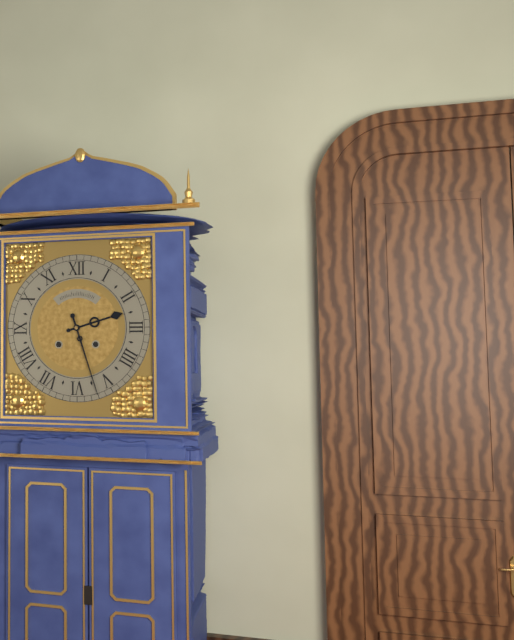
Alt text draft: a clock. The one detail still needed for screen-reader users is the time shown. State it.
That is 2:27
